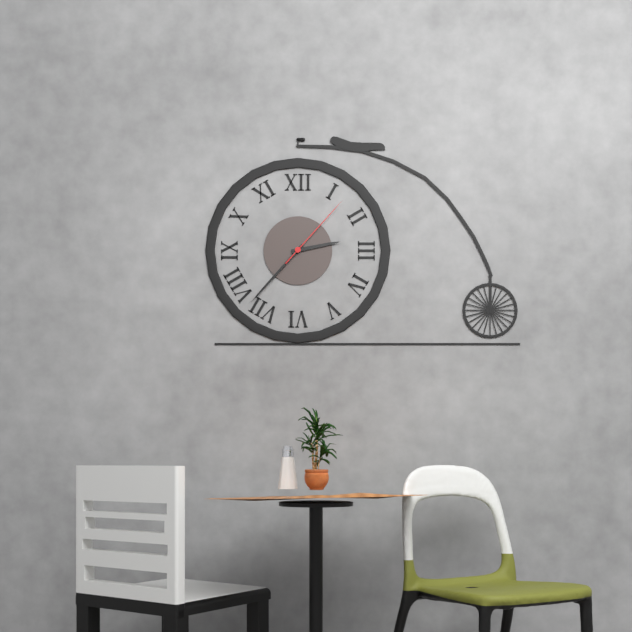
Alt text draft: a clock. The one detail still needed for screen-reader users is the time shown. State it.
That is 2:37:07
